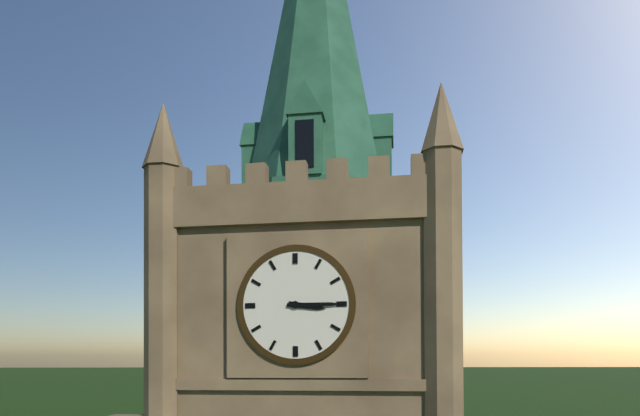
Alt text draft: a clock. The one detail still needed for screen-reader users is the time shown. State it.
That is 3:15
